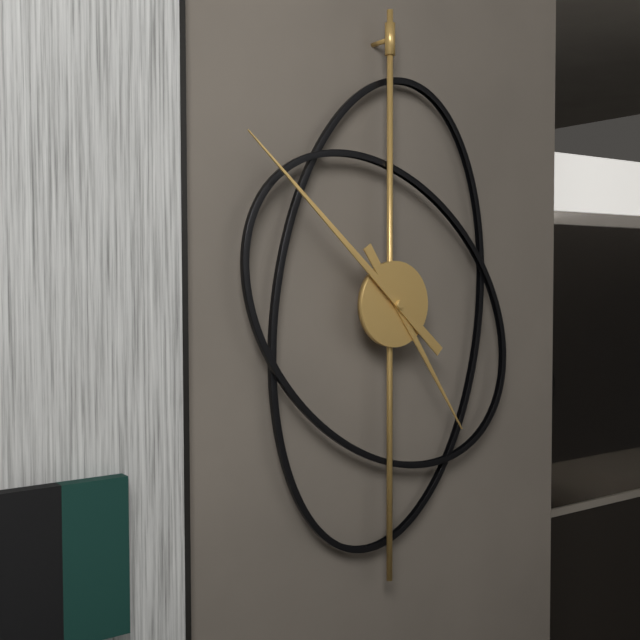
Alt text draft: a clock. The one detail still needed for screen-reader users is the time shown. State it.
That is 4:52
